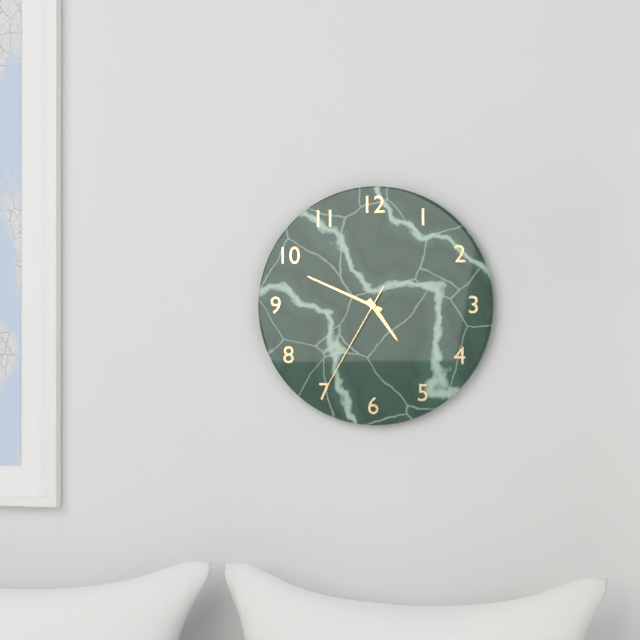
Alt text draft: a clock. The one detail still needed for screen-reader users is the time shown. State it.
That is 4:49:35
